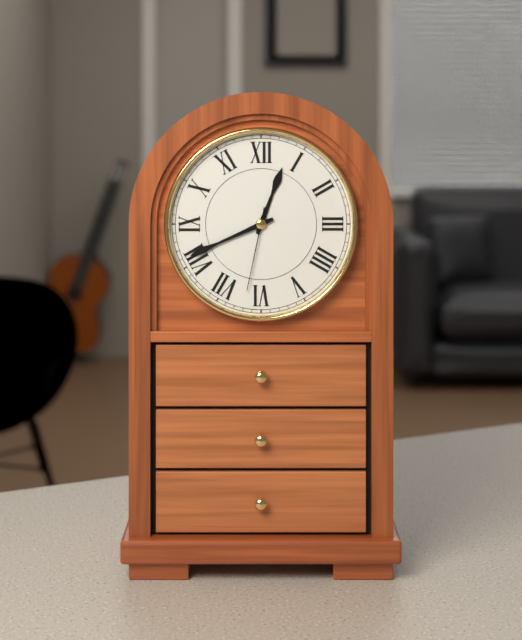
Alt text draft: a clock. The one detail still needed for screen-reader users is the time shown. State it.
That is 12:41:32
